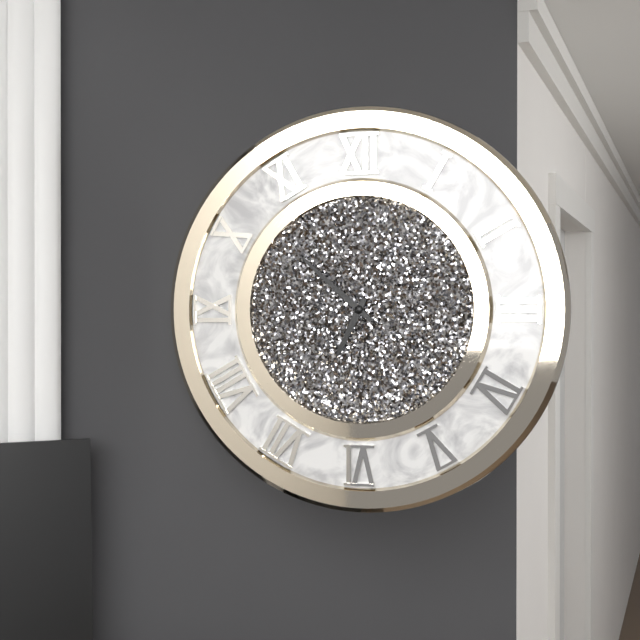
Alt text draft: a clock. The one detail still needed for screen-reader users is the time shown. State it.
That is 6:52
